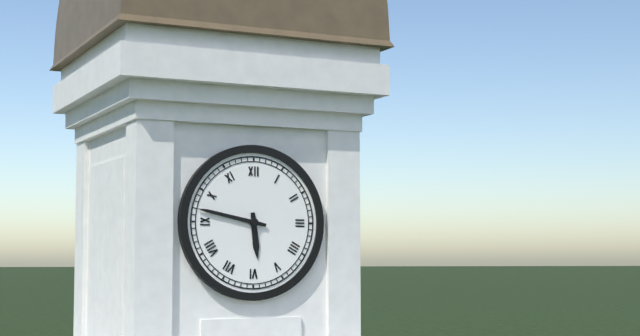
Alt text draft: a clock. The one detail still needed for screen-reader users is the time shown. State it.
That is 5:47
